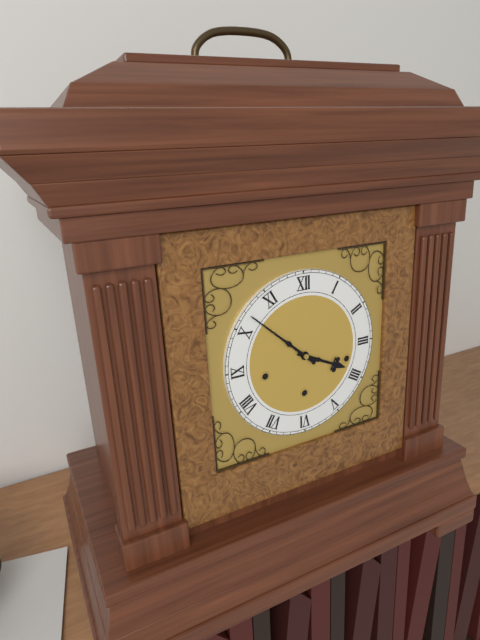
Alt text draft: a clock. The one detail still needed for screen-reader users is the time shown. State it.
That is 3:52
